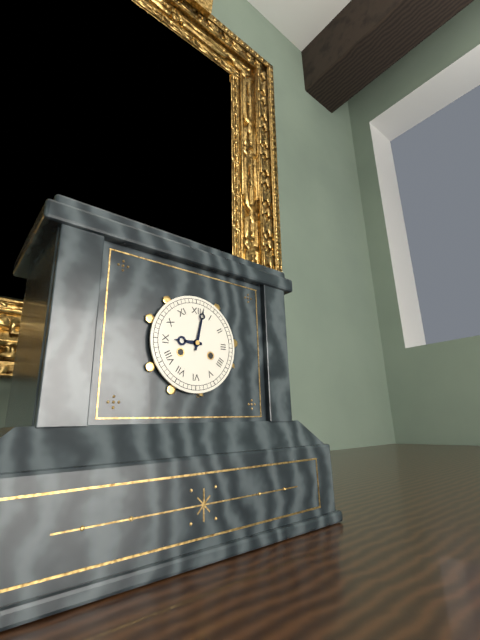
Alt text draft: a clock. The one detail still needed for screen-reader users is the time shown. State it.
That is 9:02
